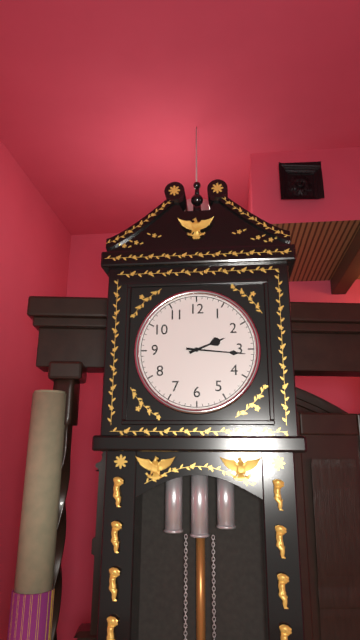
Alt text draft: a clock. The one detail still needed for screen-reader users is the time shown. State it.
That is 2:16
